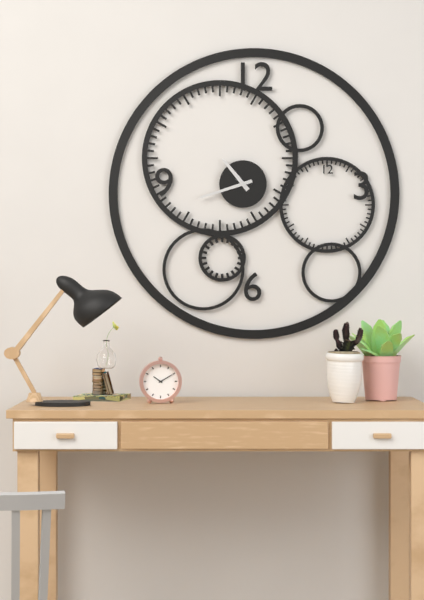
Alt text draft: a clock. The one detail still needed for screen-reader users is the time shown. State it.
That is 10:42
